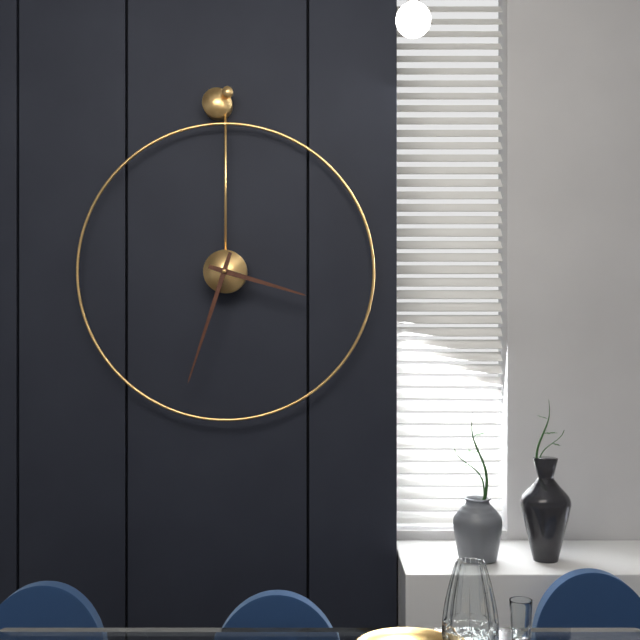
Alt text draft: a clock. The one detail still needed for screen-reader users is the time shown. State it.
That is 3:33
